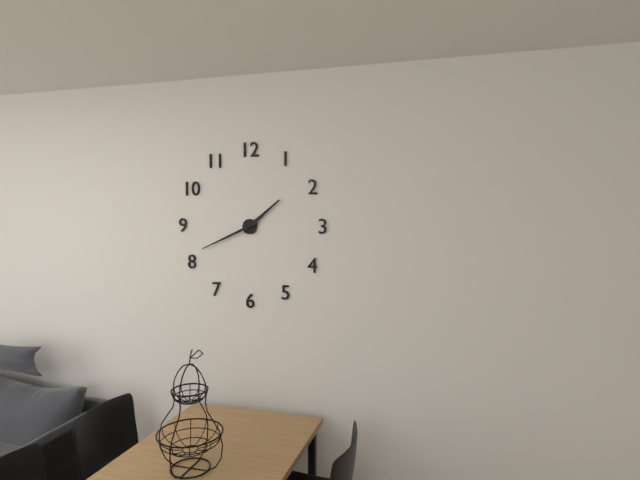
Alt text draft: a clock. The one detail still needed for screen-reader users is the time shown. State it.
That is 1:41
